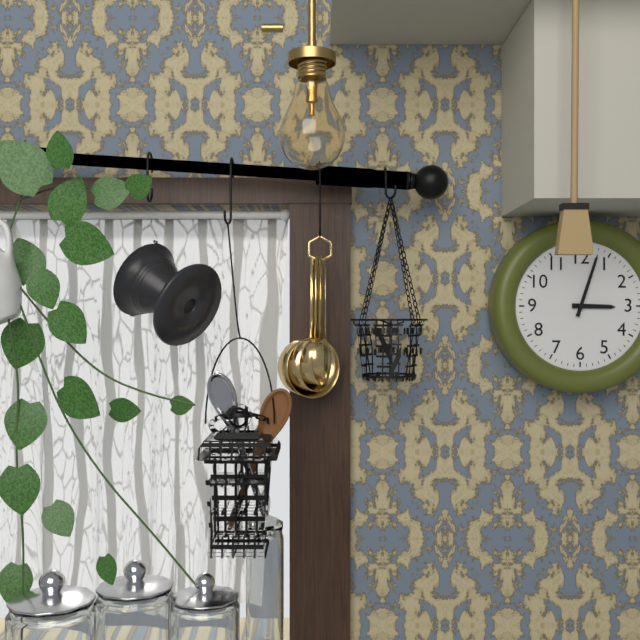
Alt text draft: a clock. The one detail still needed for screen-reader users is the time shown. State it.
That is 3:03
